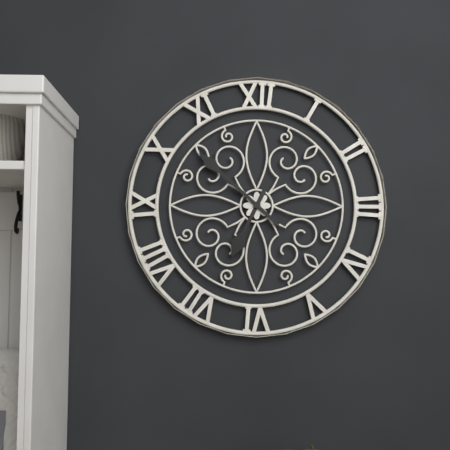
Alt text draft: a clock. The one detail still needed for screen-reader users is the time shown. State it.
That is 6:52
